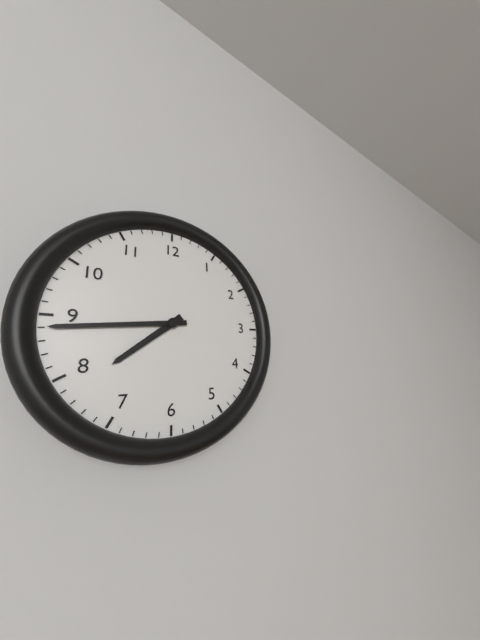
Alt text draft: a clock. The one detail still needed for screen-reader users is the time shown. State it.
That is 7:44
